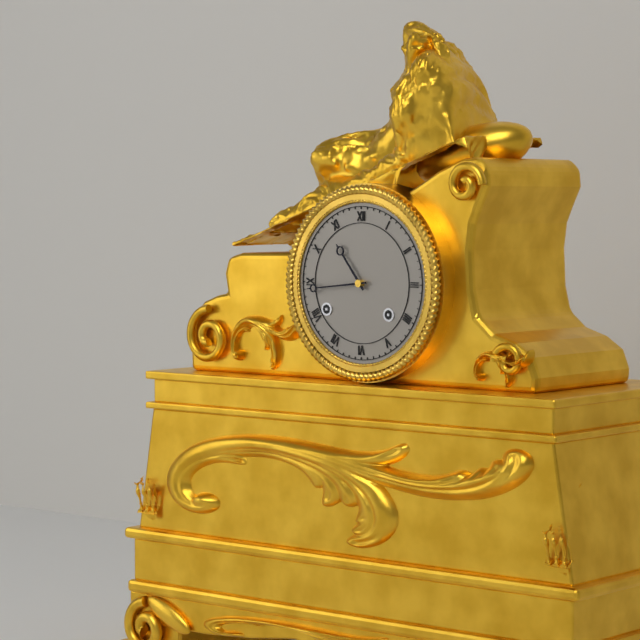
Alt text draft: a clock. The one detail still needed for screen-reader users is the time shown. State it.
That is 10:44
